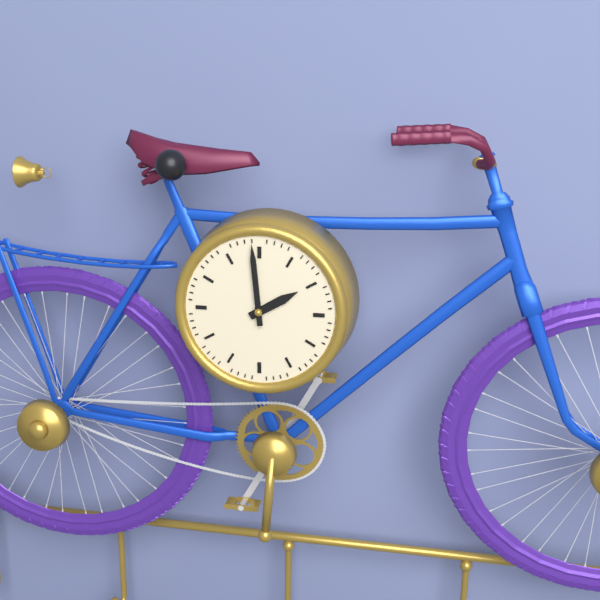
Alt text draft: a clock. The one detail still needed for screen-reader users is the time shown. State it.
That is 1:59
